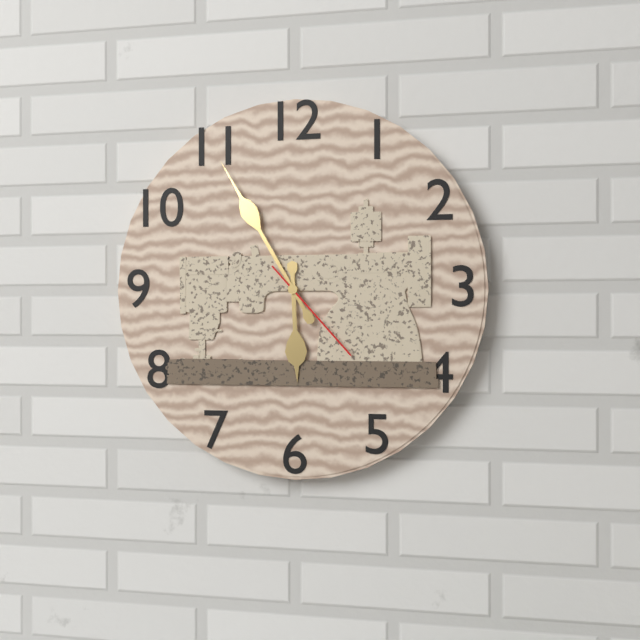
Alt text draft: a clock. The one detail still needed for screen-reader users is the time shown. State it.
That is 5:55:23
